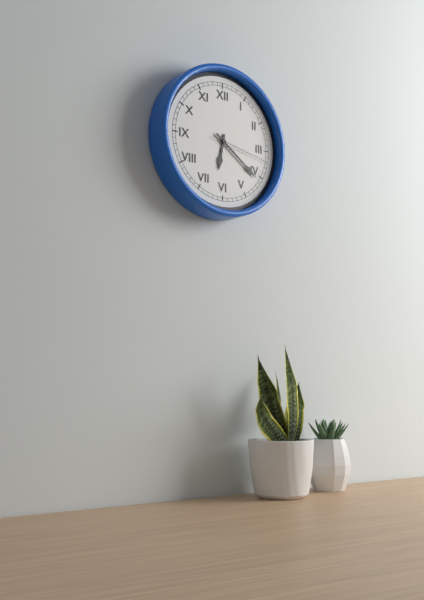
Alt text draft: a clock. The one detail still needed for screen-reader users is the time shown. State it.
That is 6:21:17
